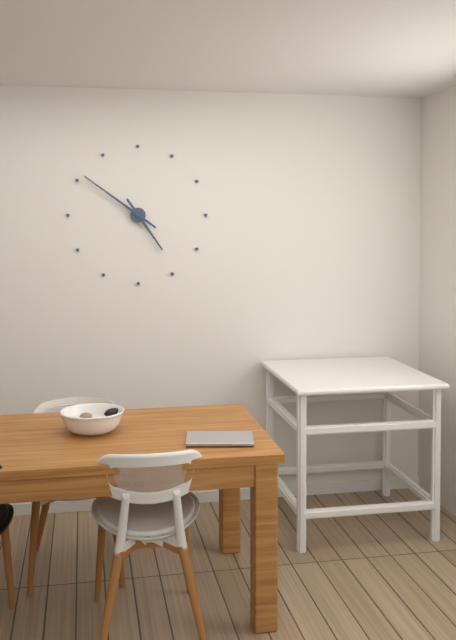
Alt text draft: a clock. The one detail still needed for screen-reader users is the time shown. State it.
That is 4:51
